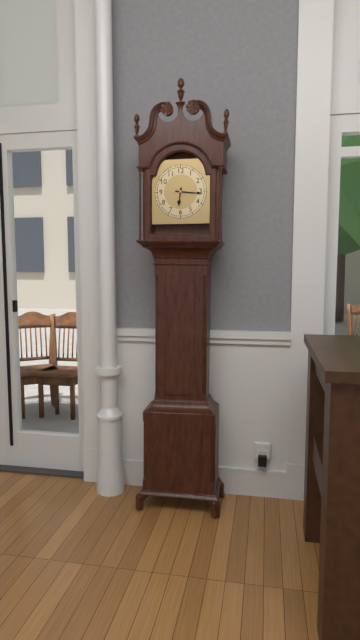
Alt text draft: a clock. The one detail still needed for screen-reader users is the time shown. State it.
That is 6:16
